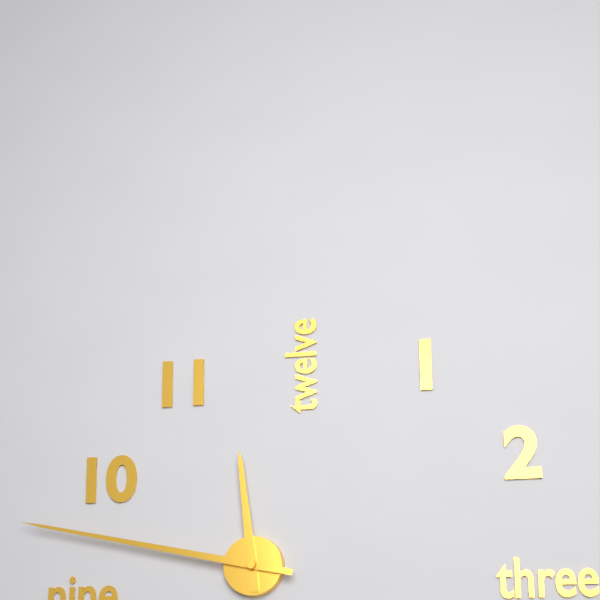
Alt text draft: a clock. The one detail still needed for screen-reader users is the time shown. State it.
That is 11:47
